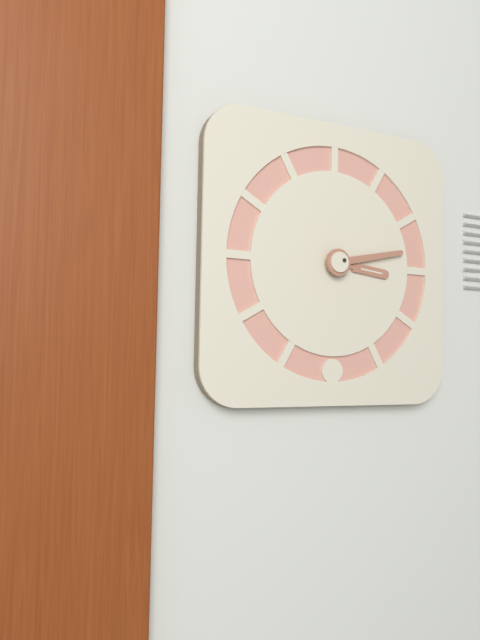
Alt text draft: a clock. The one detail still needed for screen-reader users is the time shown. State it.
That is 3:13
